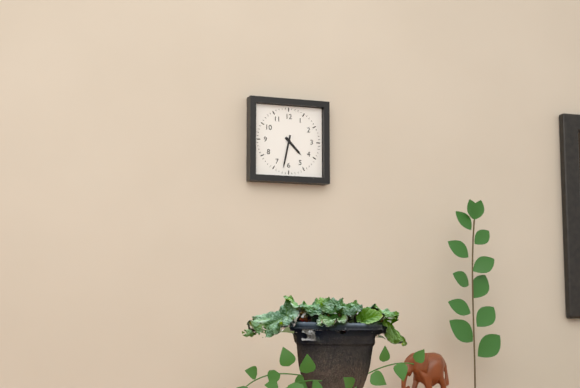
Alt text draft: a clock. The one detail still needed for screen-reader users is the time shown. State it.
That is 4:32
